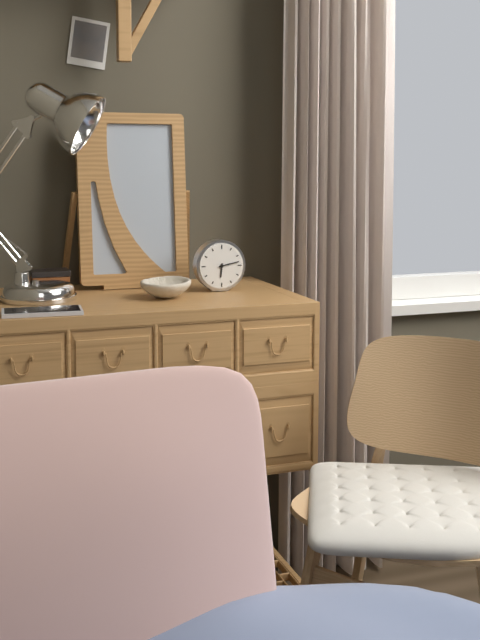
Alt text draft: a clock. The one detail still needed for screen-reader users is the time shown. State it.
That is 6:13
